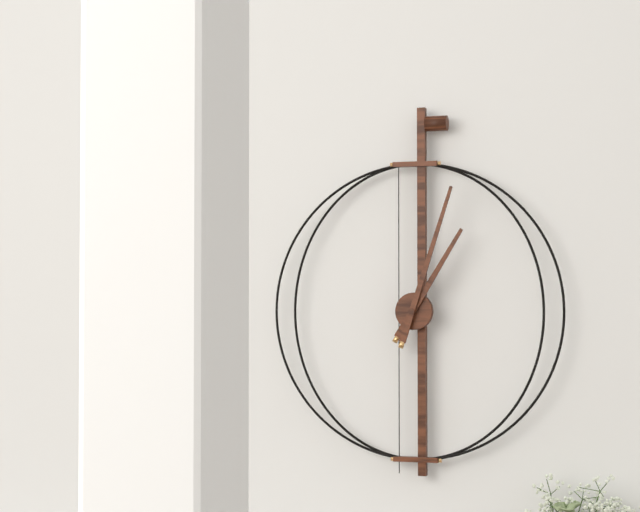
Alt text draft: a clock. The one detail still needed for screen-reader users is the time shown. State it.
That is 1:03
